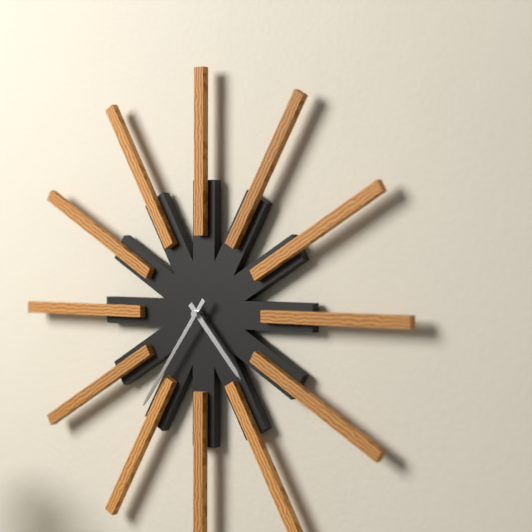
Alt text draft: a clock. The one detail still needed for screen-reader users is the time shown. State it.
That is 4:36
